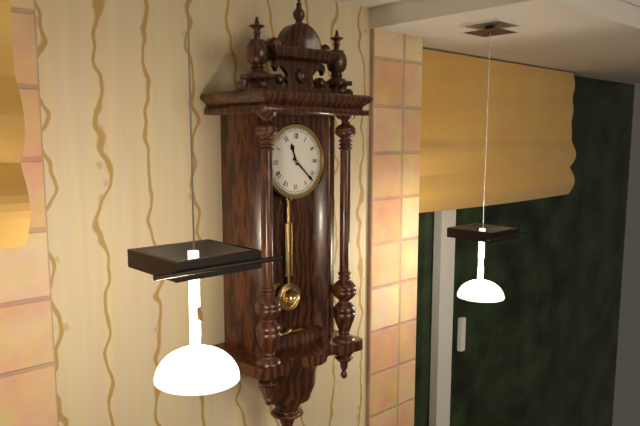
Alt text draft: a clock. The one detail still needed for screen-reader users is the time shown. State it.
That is 11:22
